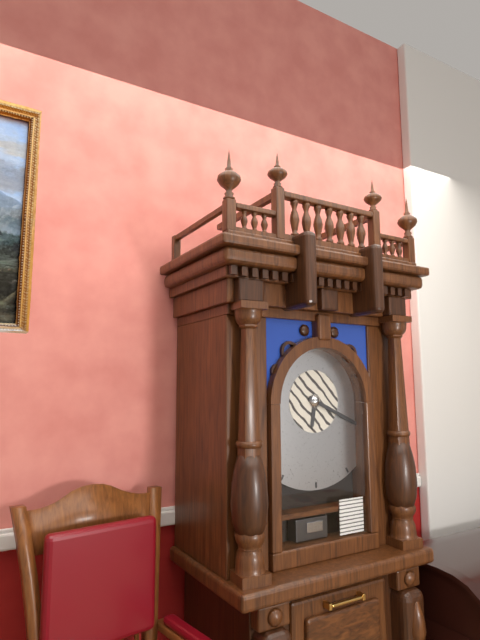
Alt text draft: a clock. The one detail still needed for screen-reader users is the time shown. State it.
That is 6:19
